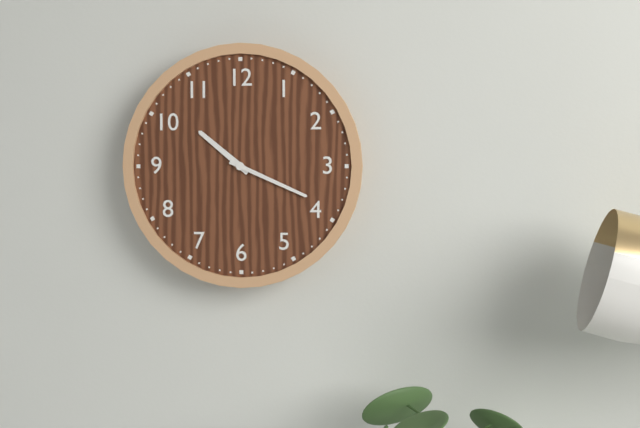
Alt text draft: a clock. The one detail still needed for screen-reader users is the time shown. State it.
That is 10:19
